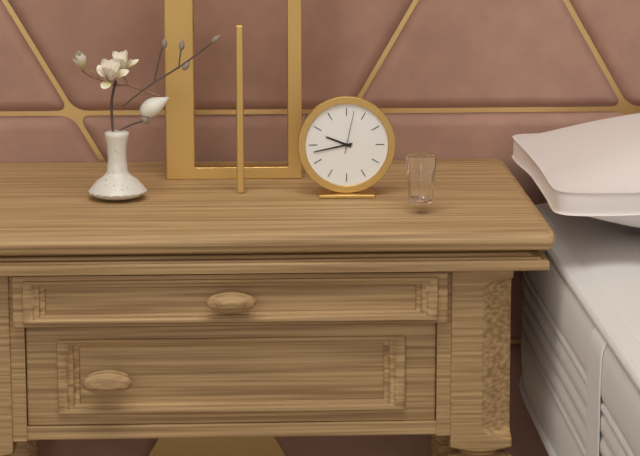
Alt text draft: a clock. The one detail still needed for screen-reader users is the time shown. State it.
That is 9:43
